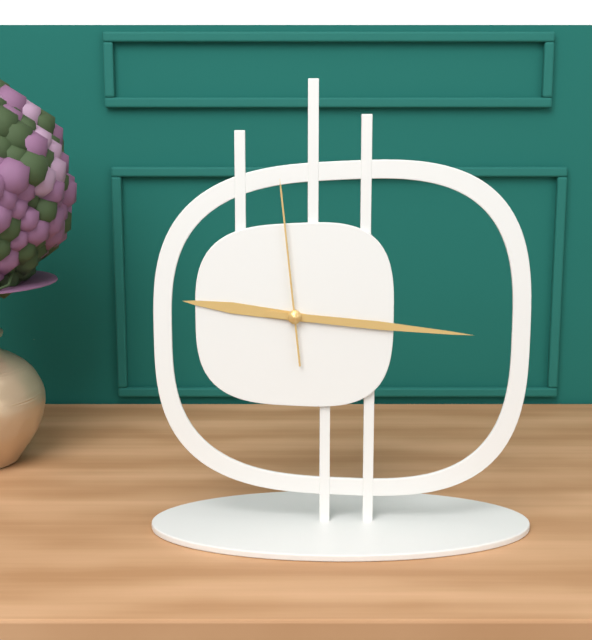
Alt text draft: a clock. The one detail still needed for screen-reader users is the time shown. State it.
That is 9:16:59
